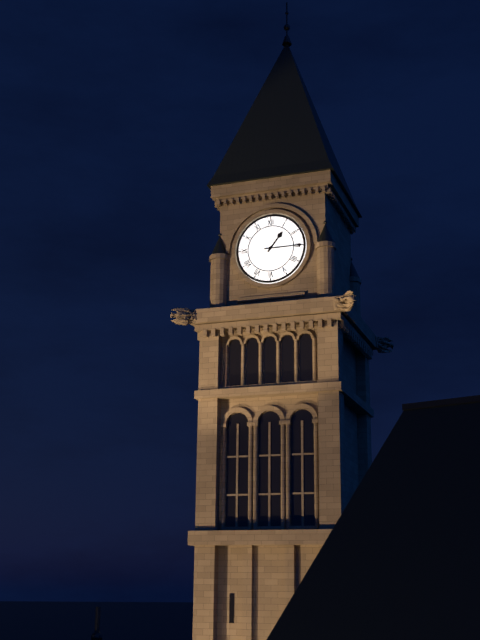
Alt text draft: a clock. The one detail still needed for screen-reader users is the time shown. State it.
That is 1:15
